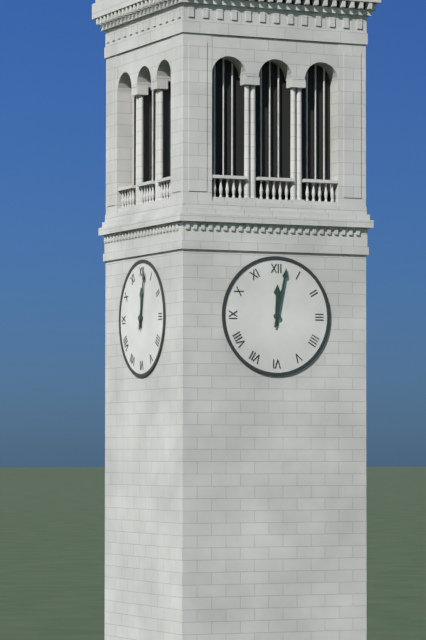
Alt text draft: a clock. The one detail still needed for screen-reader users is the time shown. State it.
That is 12:02
